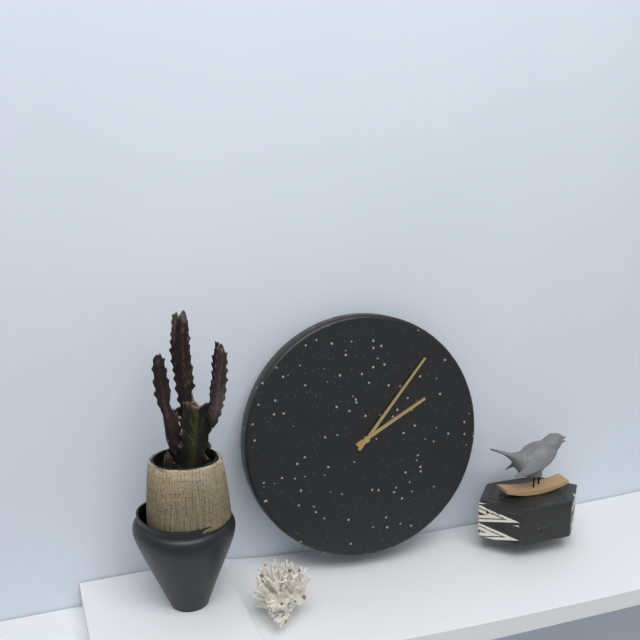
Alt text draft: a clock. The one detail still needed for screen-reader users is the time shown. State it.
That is 2:07
